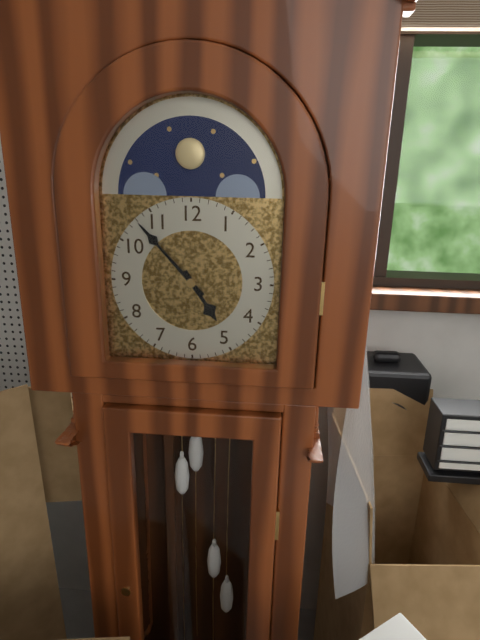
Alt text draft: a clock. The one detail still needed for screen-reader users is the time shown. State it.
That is 4:53
